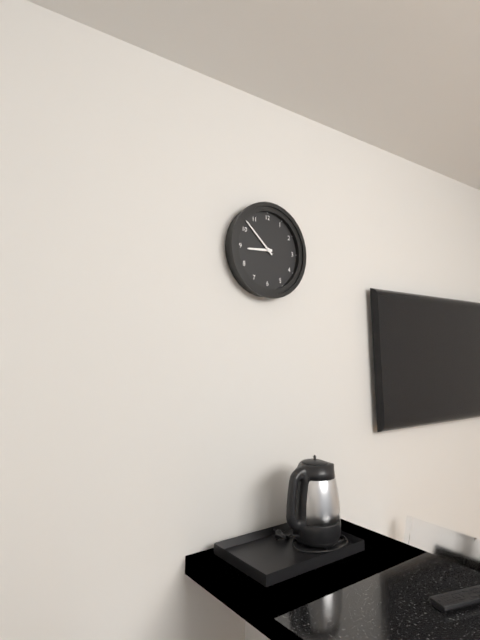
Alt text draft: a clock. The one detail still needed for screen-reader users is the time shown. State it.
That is 8:52
